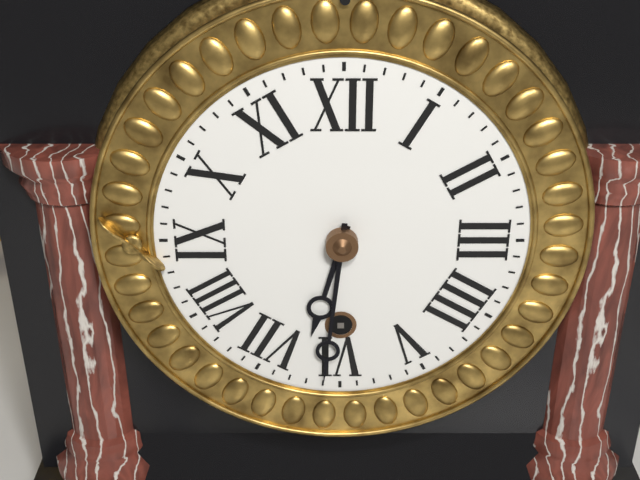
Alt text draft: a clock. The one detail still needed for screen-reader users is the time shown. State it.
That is 6:31
